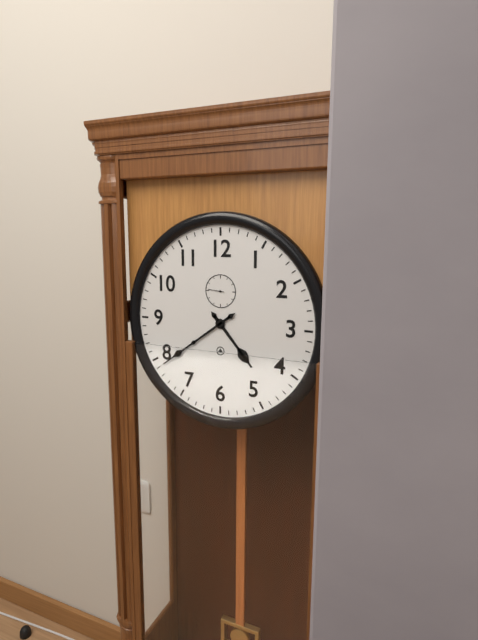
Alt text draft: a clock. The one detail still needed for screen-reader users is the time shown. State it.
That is 4:39
